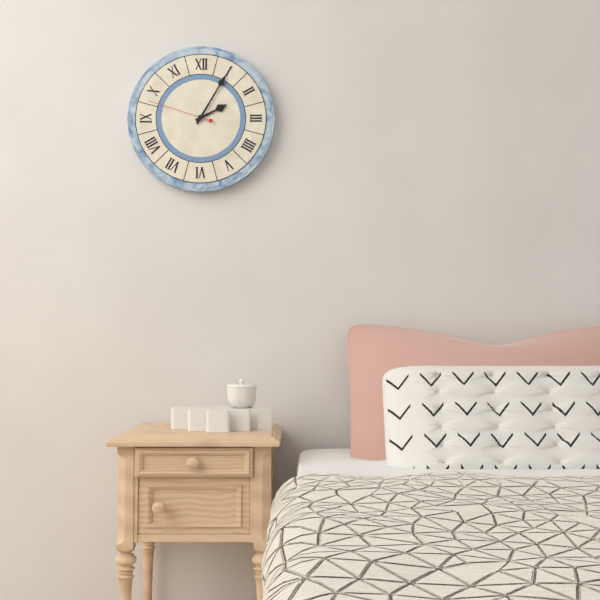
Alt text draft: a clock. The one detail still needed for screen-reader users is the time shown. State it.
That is 2:05:48
